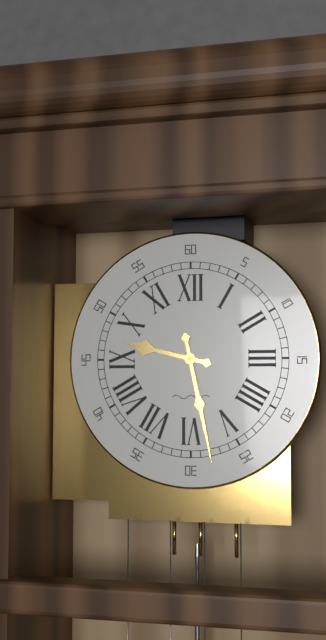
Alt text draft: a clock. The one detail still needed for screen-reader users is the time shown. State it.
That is 9:28
